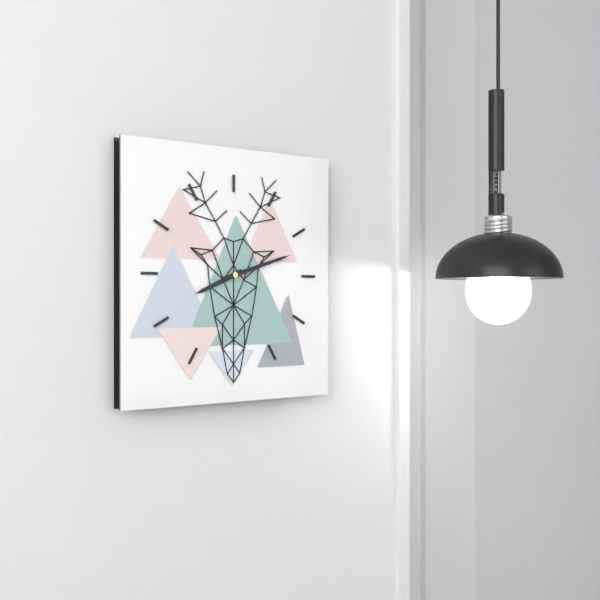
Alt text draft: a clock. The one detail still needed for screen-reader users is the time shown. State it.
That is 8:12
